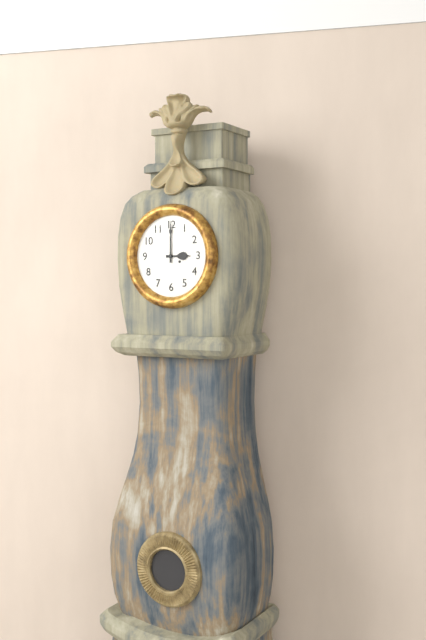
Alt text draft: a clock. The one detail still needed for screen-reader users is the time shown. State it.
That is 3:00
